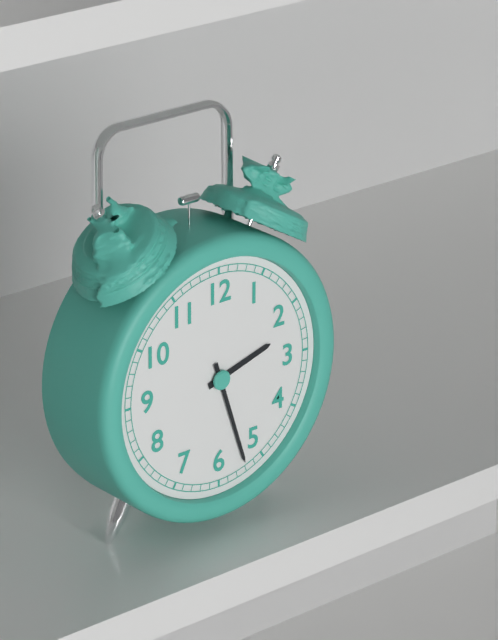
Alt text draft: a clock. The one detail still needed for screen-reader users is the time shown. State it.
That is 2:27
